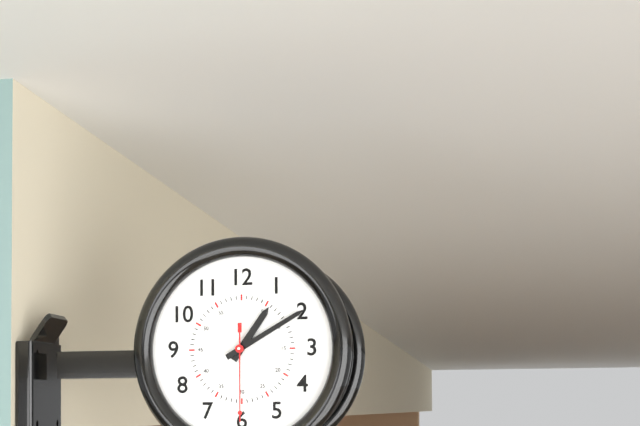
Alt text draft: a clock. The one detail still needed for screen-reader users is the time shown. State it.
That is 1:10:30
